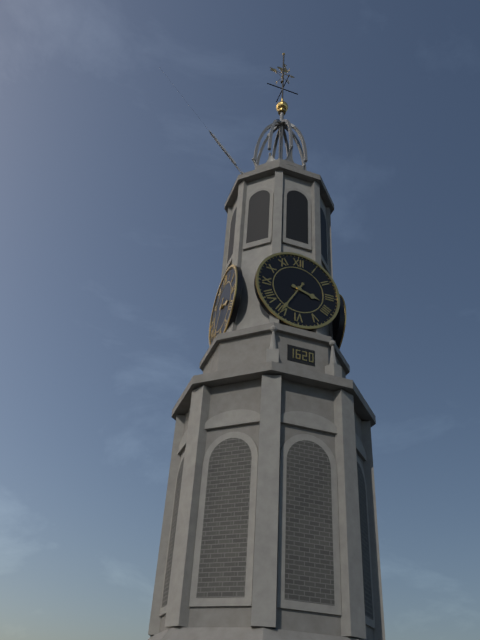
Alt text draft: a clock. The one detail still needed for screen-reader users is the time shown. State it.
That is 3:35
